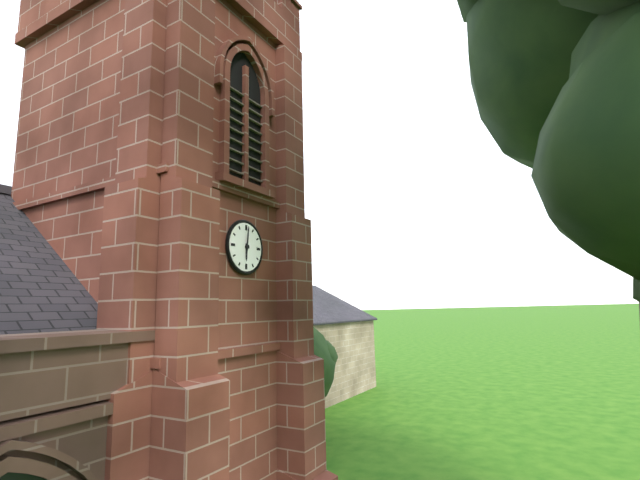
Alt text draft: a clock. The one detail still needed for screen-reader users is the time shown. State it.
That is 6:01
